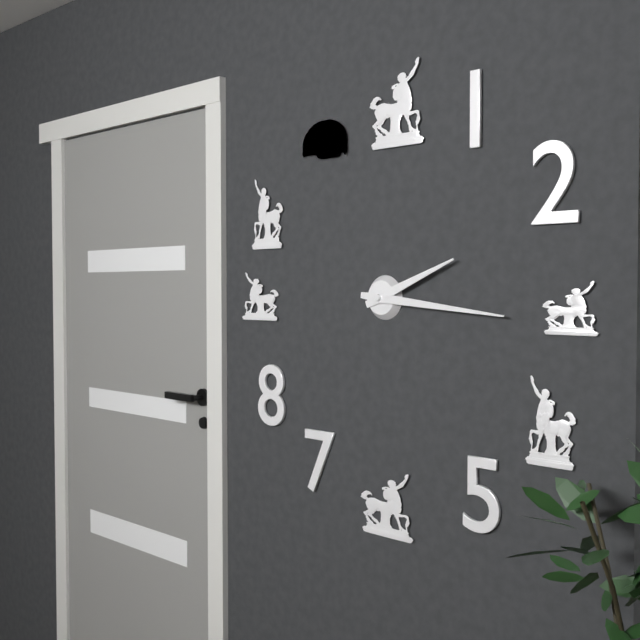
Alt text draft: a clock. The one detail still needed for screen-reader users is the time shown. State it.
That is 2:16
